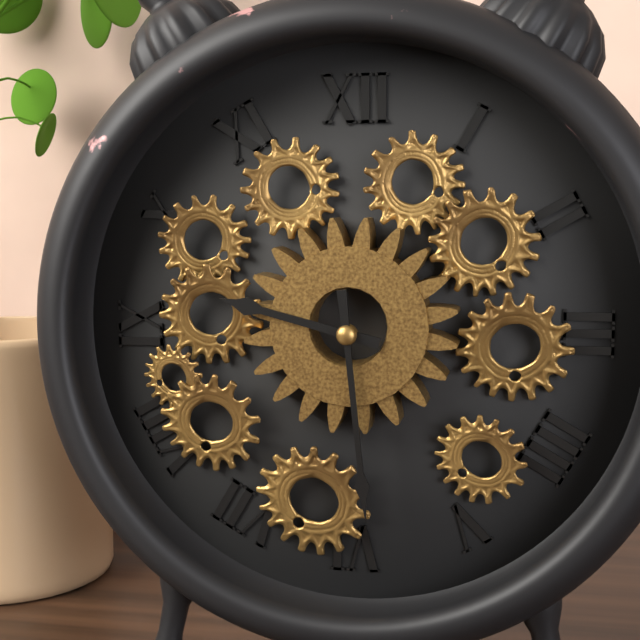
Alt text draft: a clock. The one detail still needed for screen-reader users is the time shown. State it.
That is 9:29
